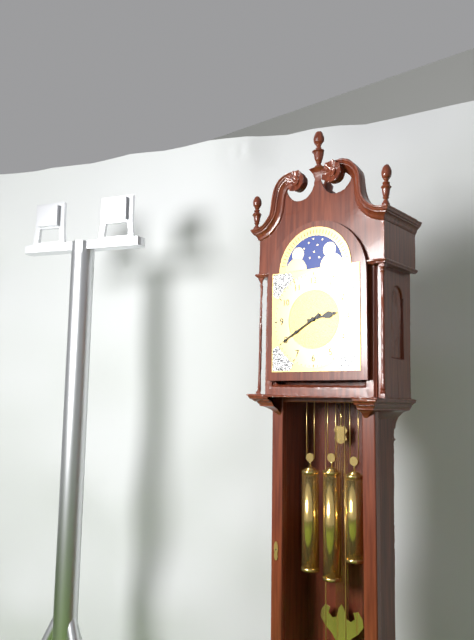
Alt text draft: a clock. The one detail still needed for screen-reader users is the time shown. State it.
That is 2:40
